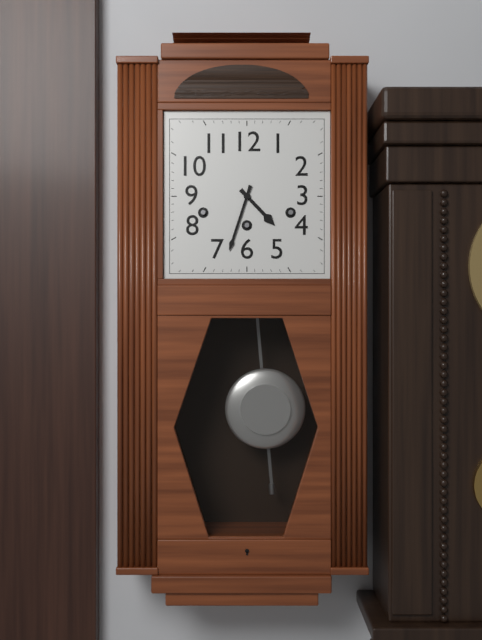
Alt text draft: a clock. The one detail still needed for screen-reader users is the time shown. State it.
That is 4:33
